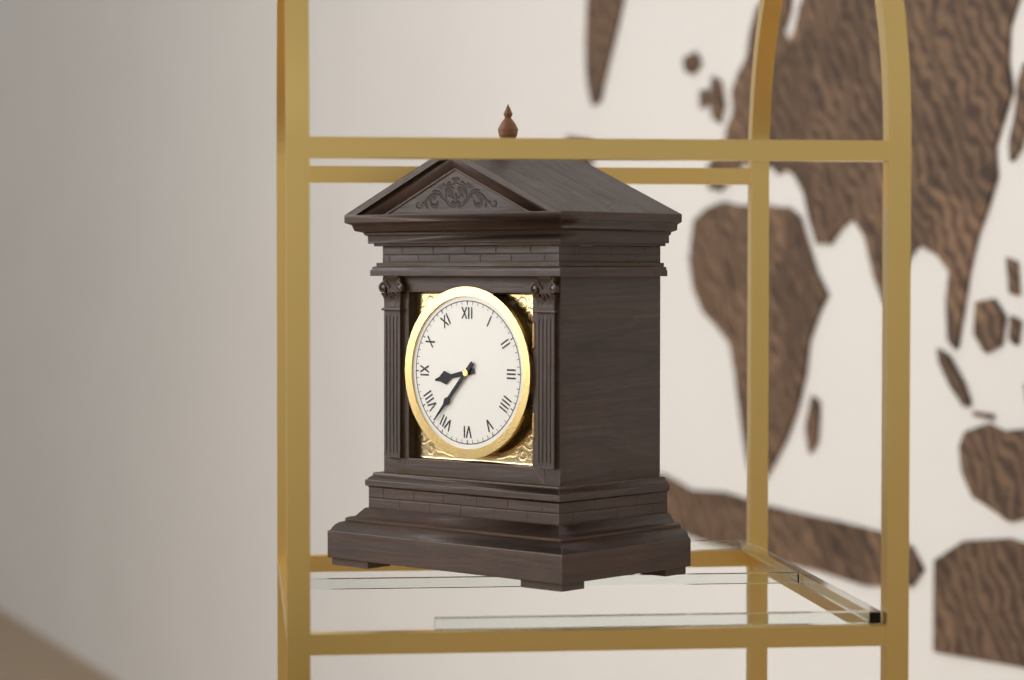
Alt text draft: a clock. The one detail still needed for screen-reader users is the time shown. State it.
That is 8:37
